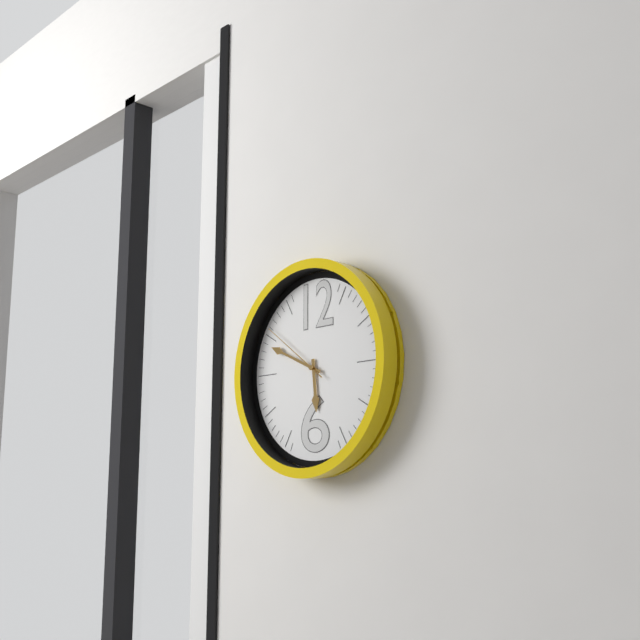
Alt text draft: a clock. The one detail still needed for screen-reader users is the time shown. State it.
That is 5:49:51
